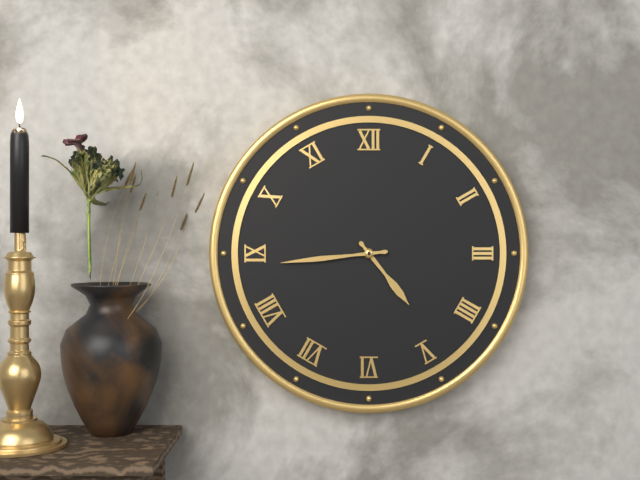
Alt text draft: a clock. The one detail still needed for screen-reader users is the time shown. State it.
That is 4:44
